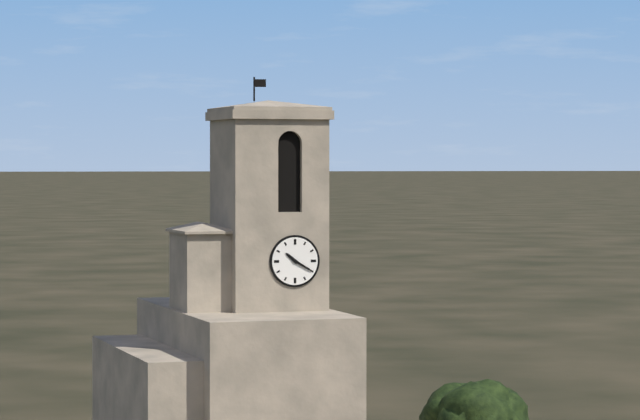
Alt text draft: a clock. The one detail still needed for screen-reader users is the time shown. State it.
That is 10:20
